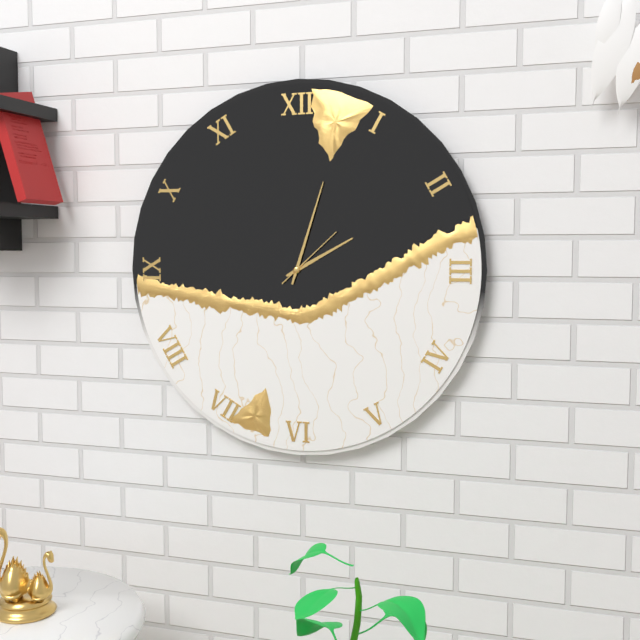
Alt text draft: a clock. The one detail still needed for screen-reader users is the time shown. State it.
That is 2:03:08
